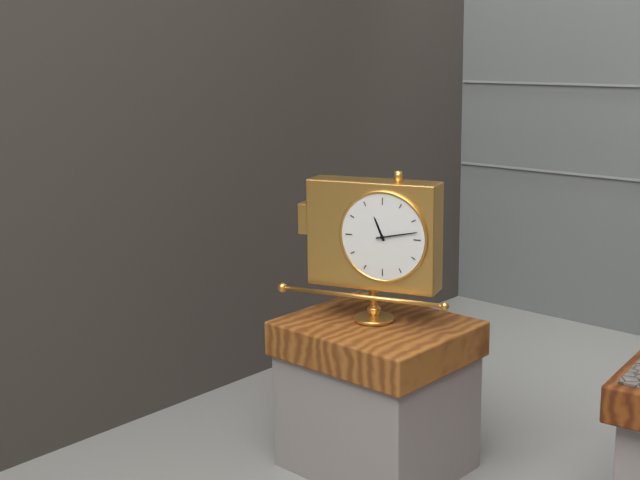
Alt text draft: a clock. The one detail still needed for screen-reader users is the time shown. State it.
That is 11:13
